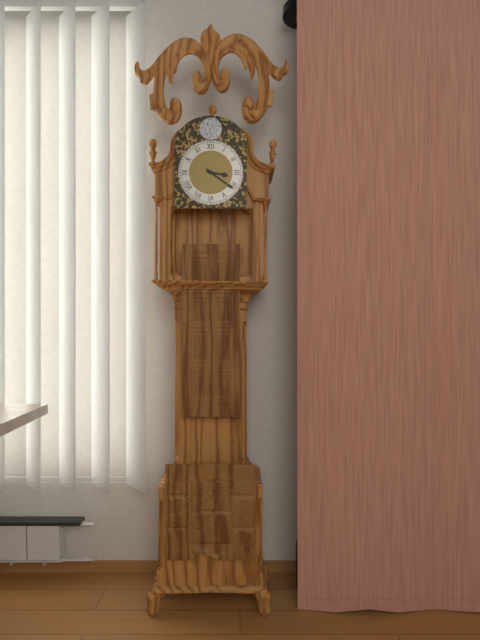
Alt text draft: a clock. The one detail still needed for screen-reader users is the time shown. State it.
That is 3:21
